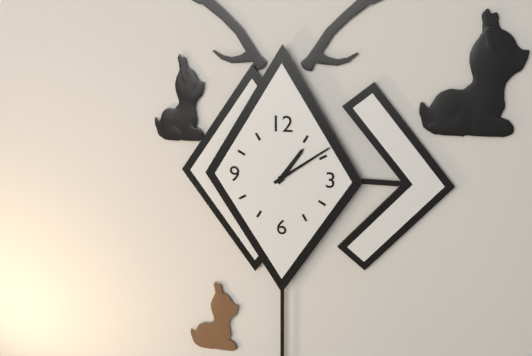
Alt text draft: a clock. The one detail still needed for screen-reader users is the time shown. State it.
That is 1:09
